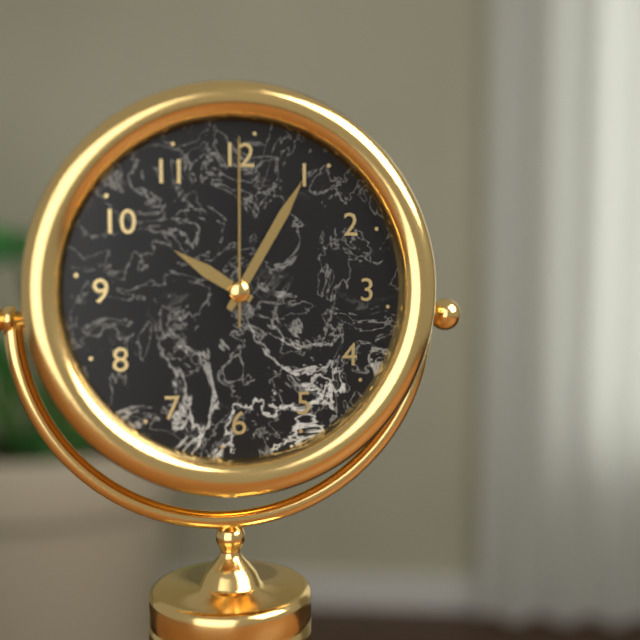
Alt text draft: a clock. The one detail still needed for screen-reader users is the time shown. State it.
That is 10:05:00
